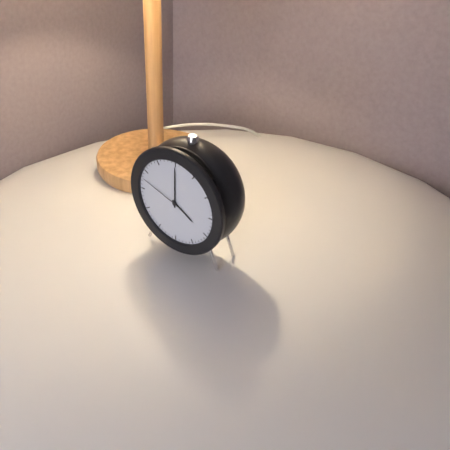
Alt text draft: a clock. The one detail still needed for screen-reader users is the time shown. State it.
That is 4:00:48
